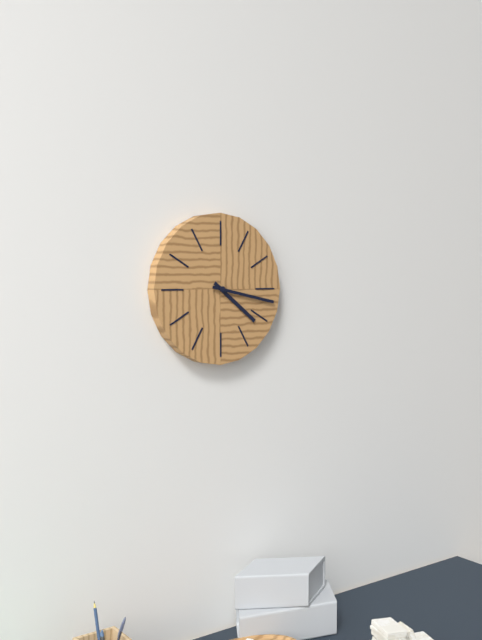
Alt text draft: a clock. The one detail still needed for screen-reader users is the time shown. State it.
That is 4:17
